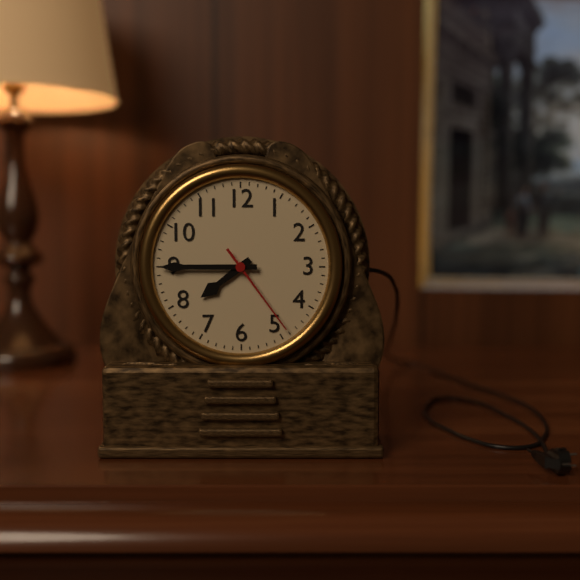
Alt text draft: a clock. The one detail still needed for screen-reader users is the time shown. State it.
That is 7:45:24
